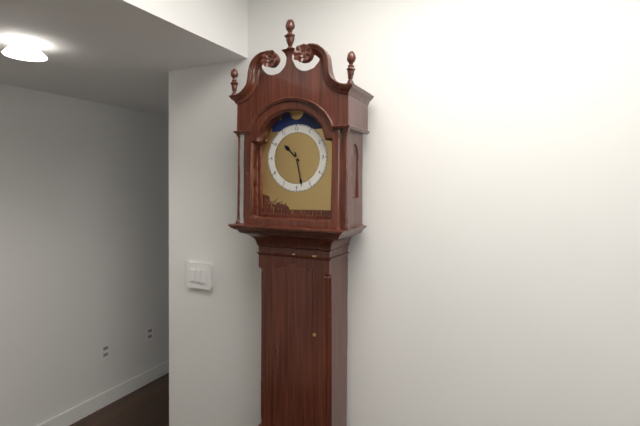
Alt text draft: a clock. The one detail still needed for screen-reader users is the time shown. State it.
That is 10:28
